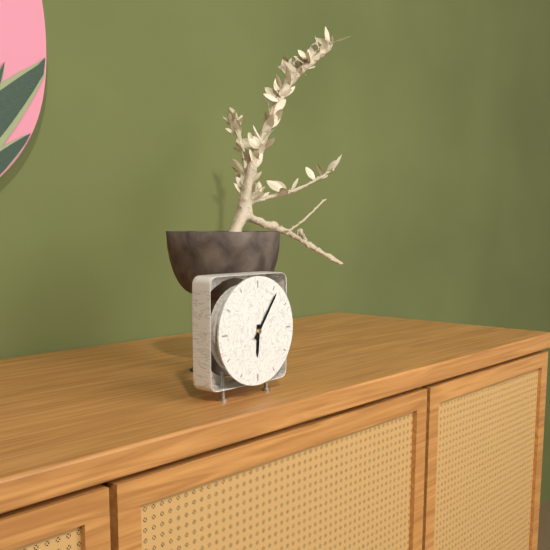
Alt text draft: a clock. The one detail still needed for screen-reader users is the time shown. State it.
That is 6:06
